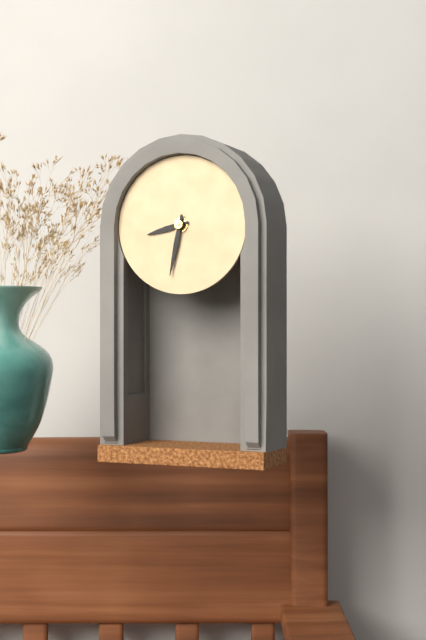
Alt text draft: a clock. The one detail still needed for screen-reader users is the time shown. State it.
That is 8:32
